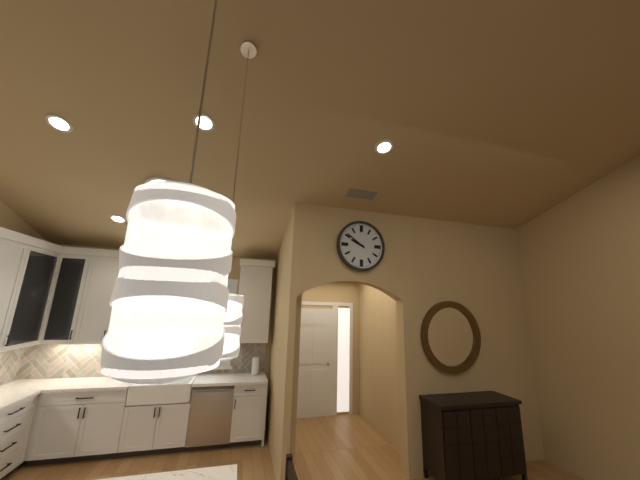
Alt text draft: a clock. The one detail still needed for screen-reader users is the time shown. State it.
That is 9:51
